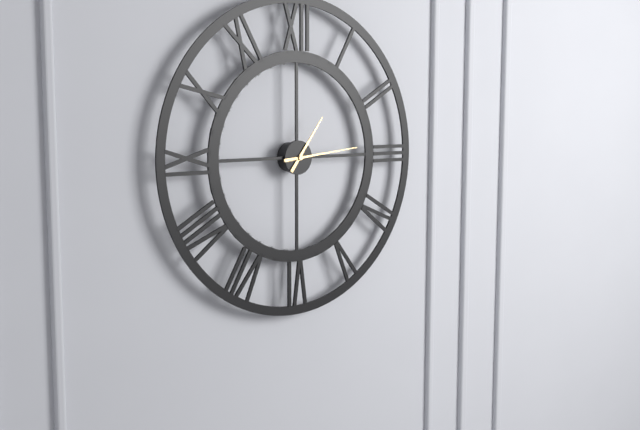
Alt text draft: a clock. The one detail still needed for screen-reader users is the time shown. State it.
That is 1:14
